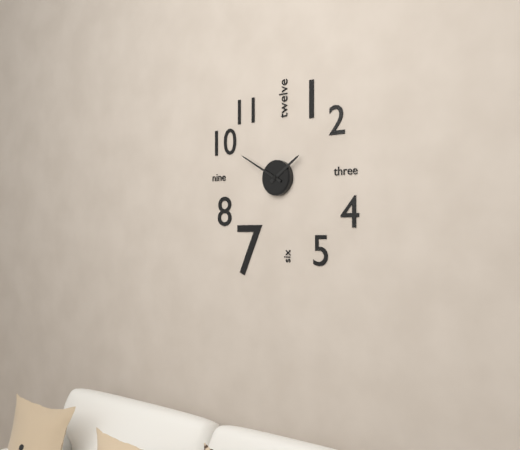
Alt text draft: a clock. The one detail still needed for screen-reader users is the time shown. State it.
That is 1:50
